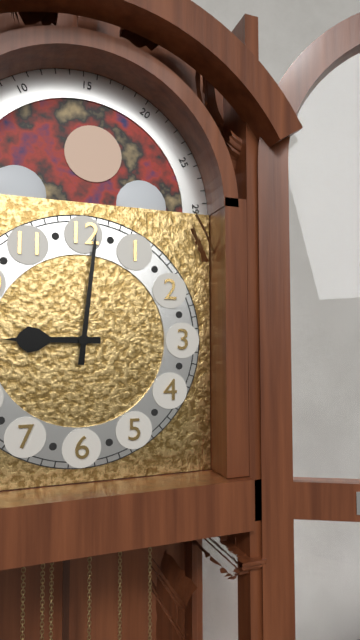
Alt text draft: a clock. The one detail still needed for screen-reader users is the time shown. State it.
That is 9:01
